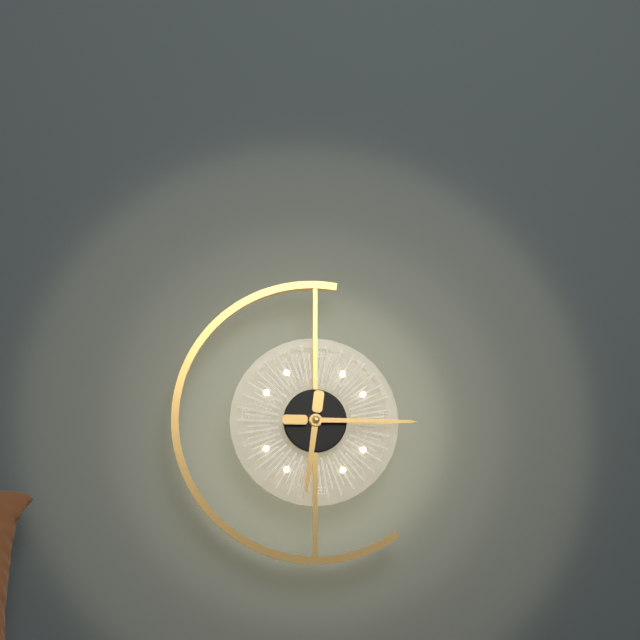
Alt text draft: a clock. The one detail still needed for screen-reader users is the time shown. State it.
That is 6:15
